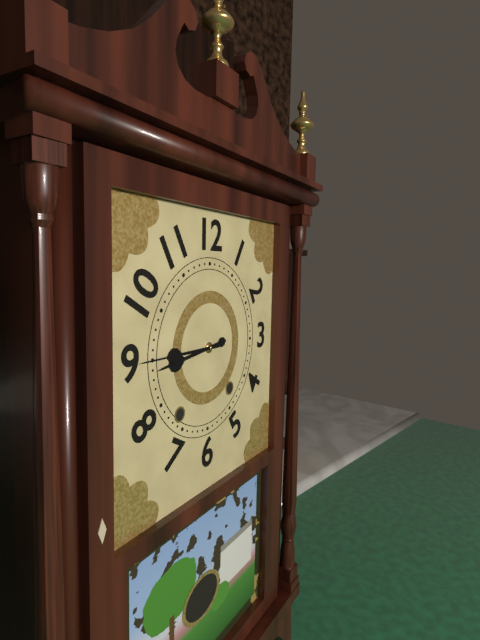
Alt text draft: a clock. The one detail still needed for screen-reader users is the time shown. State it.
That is 8:45
